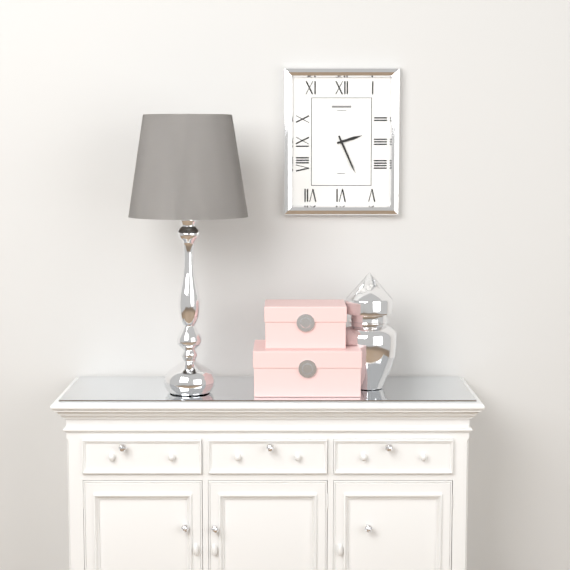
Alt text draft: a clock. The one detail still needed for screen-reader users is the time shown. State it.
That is 2:26
